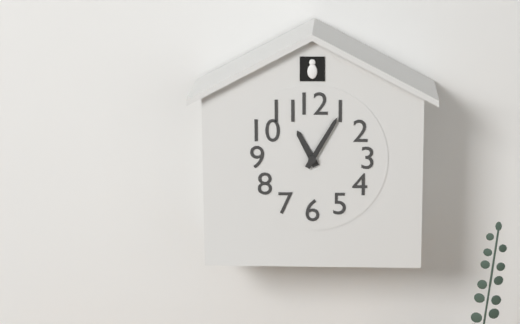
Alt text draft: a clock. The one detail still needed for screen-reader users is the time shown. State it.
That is 11:05
